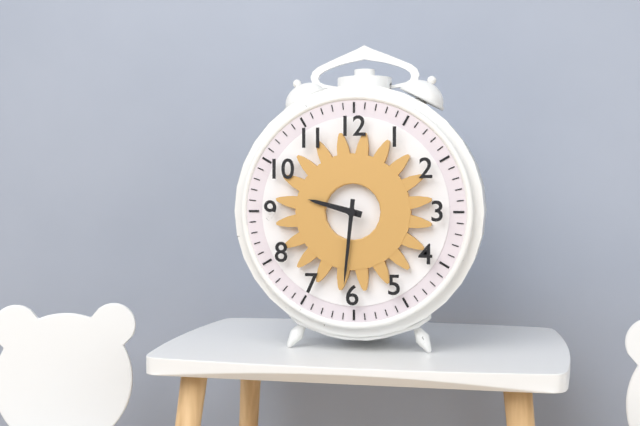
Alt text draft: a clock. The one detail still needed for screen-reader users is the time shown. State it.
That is 9:31
